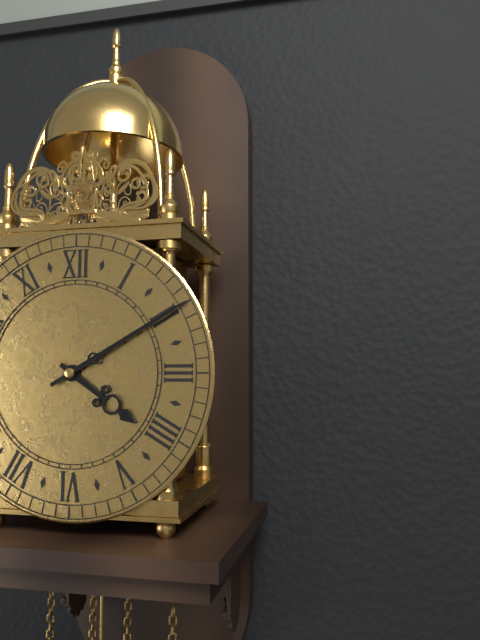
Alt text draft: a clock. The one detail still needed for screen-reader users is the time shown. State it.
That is 4:10
